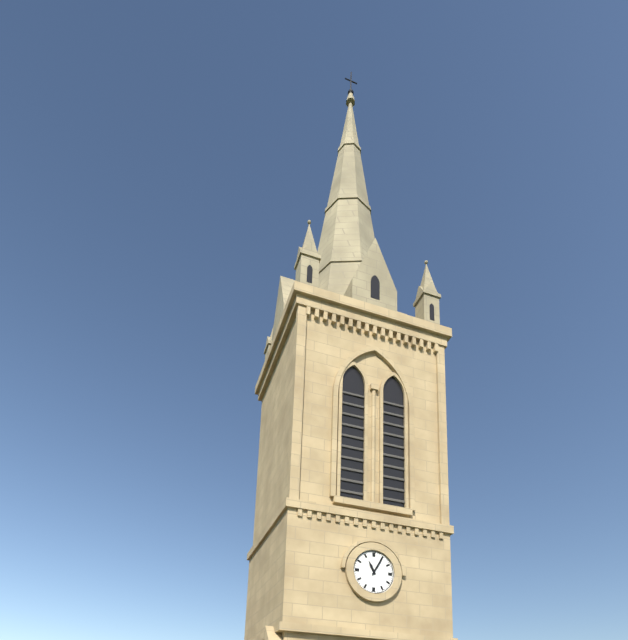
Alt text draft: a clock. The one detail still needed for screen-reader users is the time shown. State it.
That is 11:05
